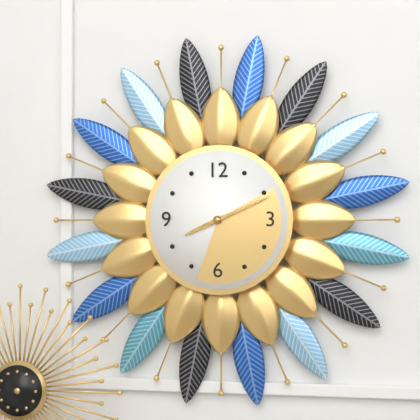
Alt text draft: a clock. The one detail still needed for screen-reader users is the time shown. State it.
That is 8:11
